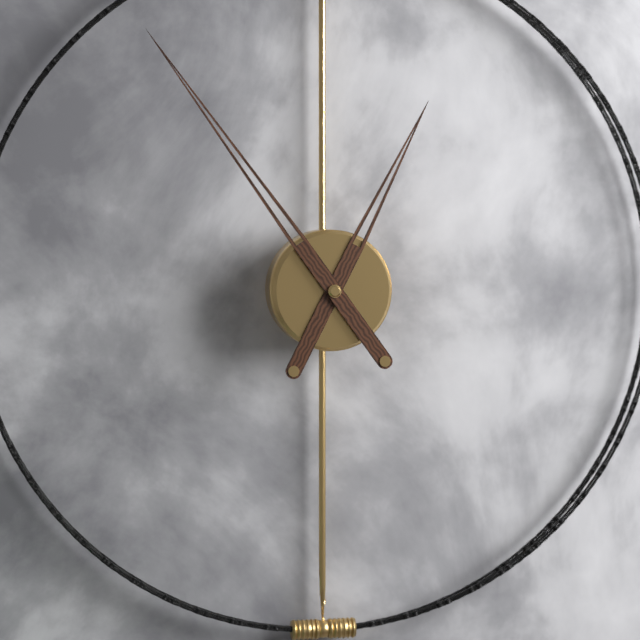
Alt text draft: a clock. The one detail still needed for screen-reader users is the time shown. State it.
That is 12:54
